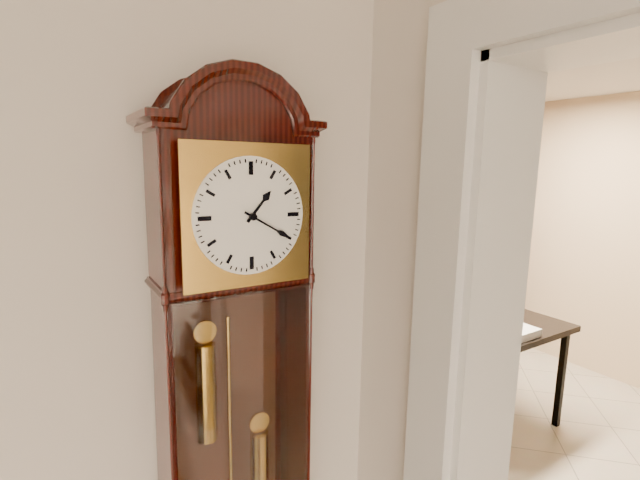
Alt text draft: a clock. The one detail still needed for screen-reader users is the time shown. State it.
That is 1:20
